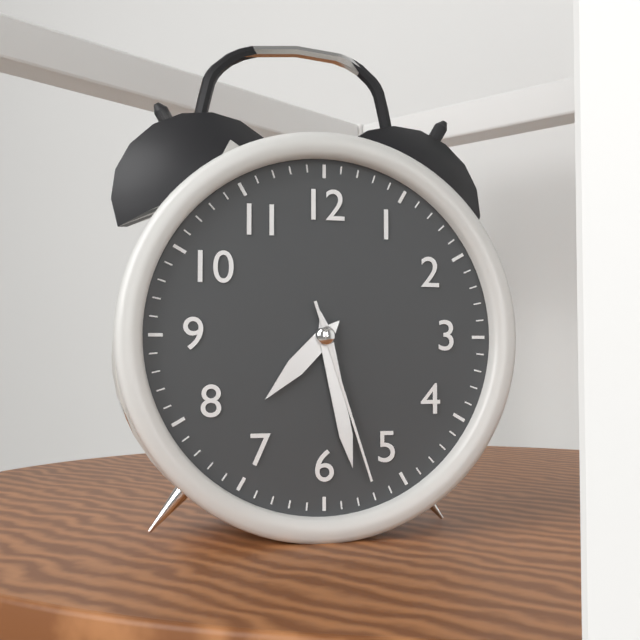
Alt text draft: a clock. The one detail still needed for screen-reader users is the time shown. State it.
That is 7:28:27
